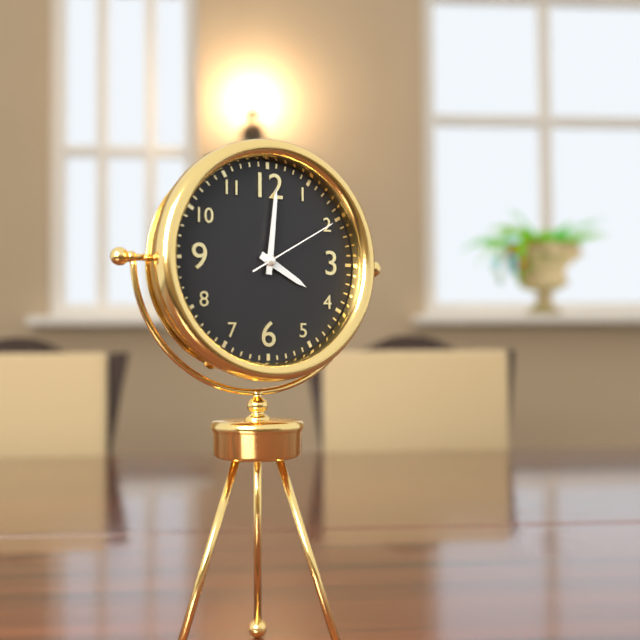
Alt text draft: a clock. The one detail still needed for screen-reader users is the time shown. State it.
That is 4:01:10
